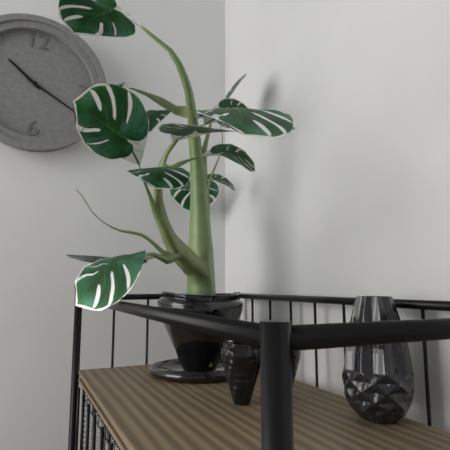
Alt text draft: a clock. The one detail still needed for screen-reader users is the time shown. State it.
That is 10:20
